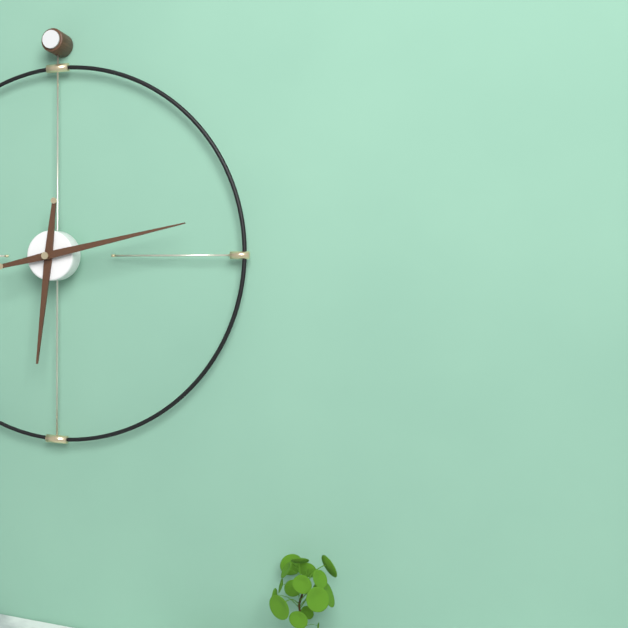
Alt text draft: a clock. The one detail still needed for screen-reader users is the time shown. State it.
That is 6:13
